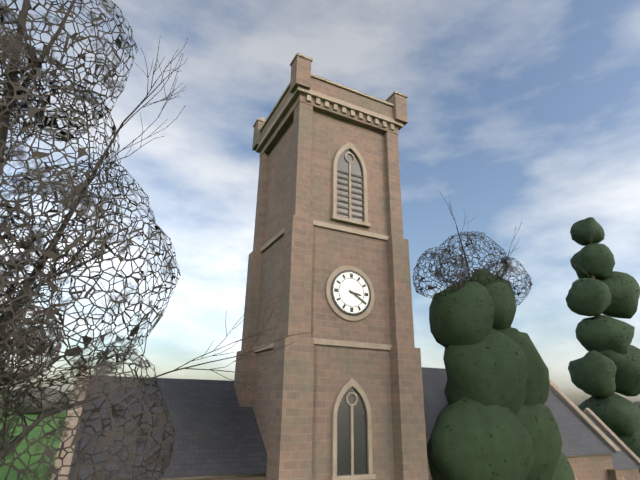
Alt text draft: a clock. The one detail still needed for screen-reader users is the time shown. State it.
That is 3:20
